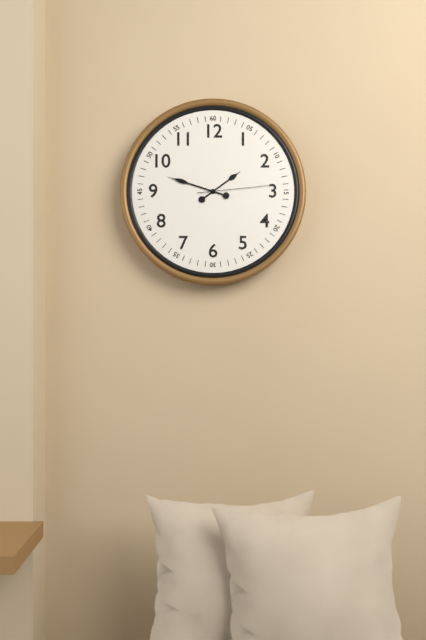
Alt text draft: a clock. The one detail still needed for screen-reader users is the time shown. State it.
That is 1:48:14
